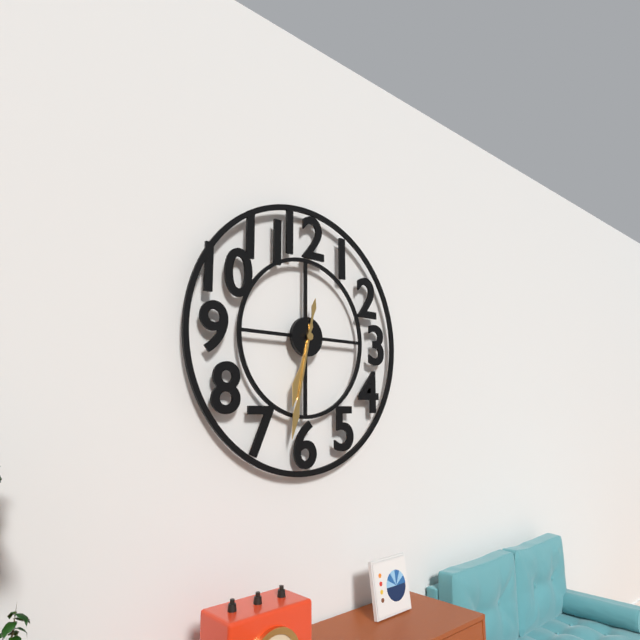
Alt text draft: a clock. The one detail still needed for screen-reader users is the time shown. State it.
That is 6:32
